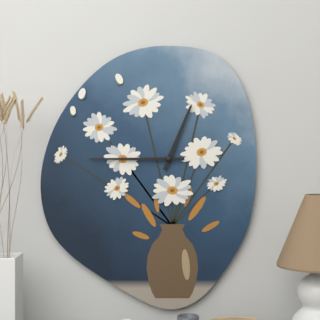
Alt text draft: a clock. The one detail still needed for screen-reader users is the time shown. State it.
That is 12:45
